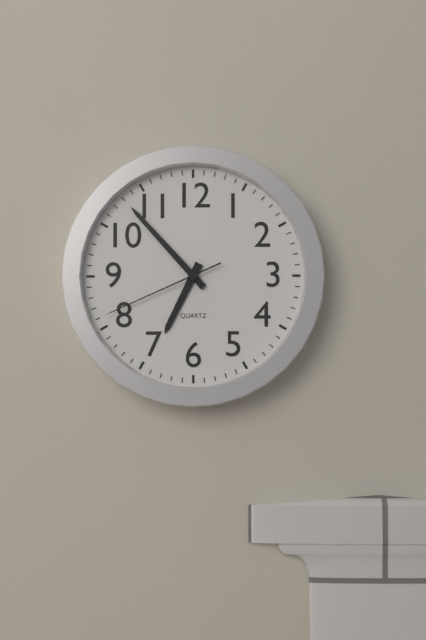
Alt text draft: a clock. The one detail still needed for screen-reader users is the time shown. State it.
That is 6:53:41
